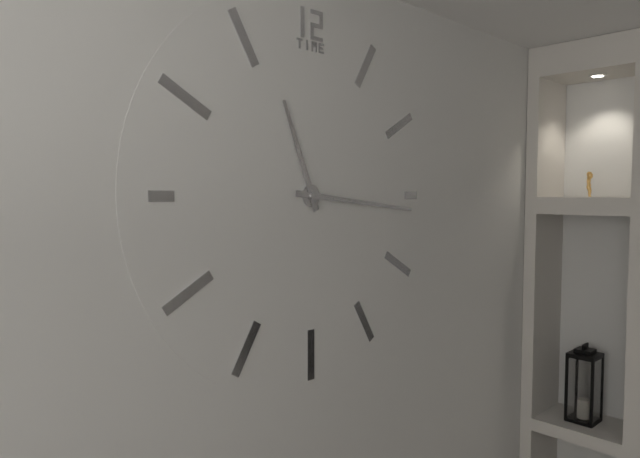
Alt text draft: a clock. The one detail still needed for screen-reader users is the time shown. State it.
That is 11:16
